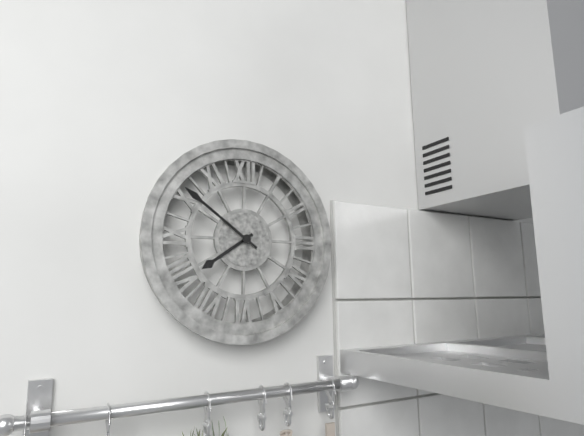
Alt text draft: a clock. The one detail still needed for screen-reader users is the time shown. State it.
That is 7:51
